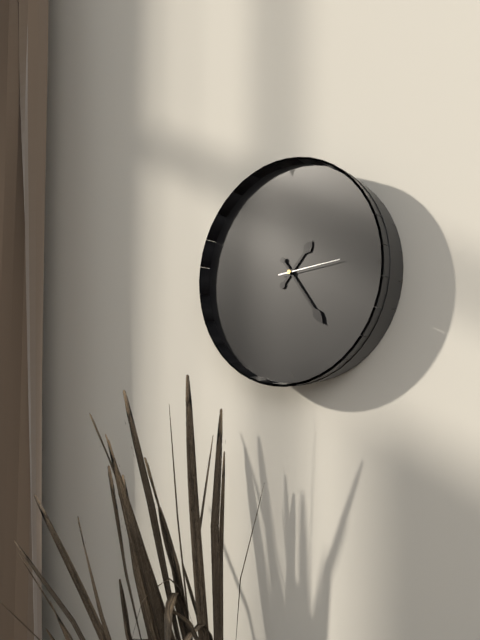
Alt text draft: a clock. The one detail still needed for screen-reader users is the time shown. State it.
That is 1:24:14
